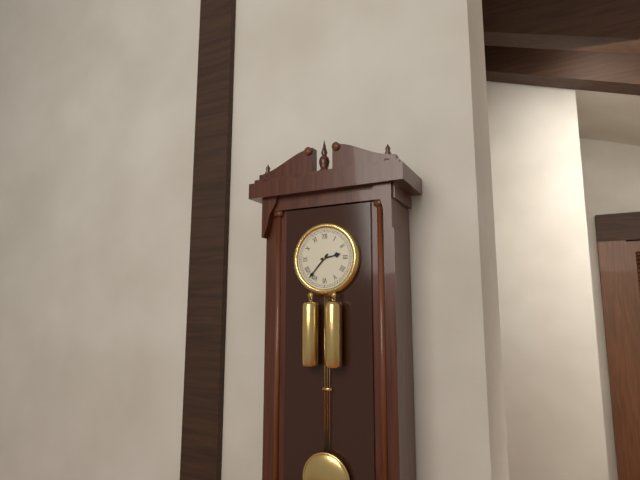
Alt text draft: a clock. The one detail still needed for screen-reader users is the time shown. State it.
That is 2:37
